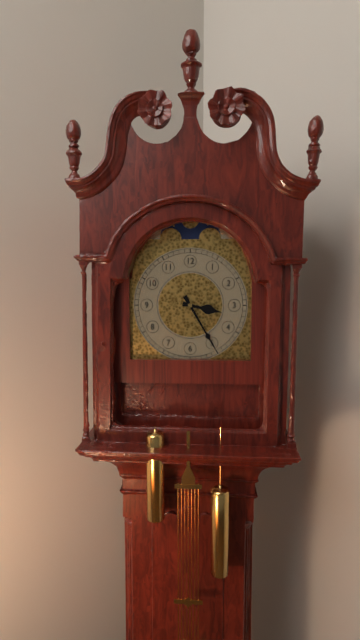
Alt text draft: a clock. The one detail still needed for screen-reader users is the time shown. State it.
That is 3:25
